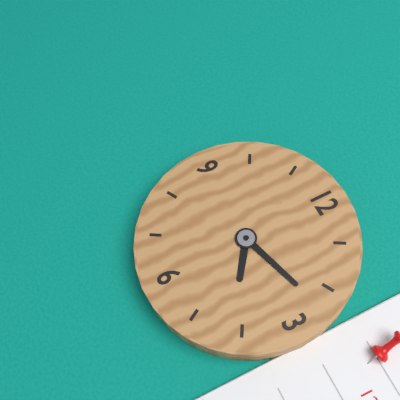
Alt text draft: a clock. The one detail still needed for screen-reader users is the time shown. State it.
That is 4:12
